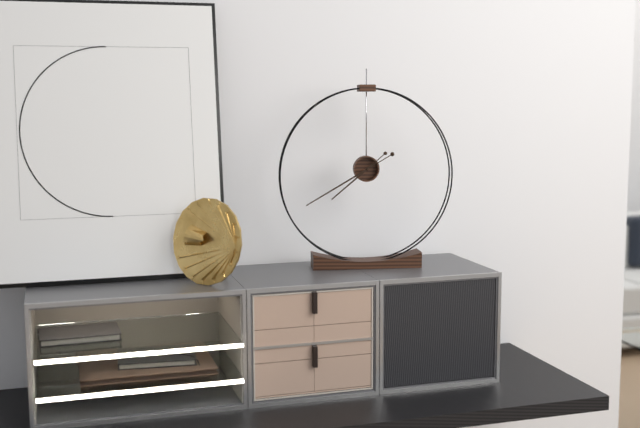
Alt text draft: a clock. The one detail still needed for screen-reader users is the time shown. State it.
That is 7:40
